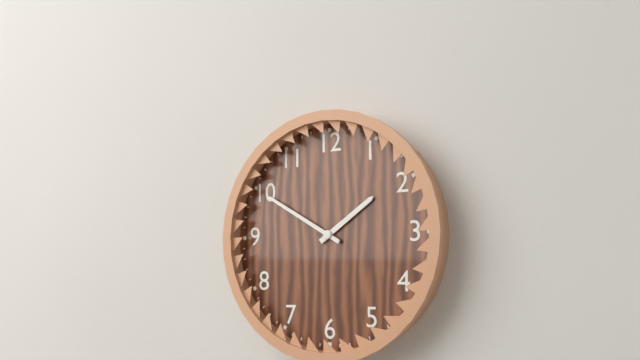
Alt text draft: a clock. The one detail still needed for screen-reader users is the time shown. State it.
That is 1:50
